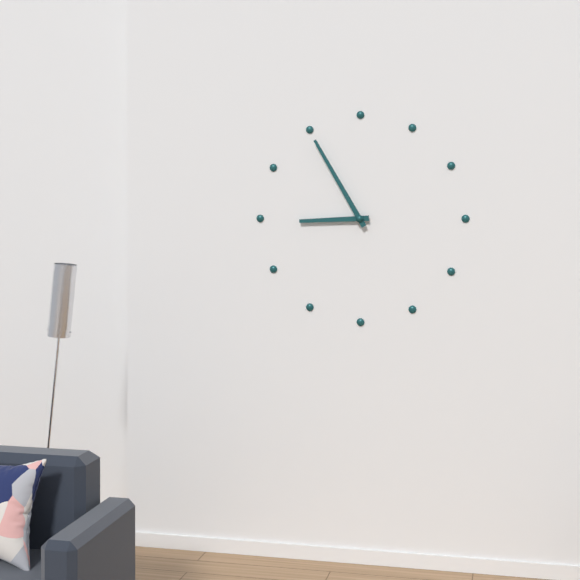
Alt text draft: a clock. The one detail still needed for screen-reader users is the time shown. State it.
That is 8:55
